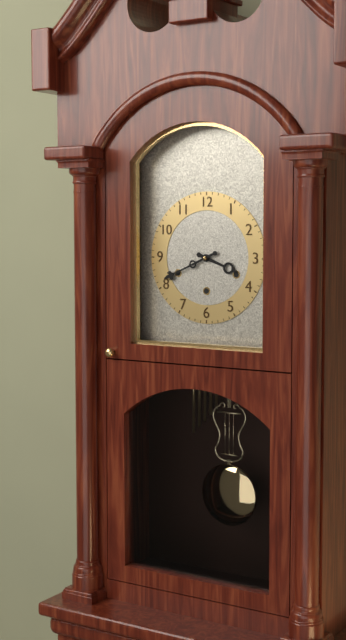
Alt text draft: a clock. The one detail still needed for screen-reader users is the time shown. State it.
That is 3:41
